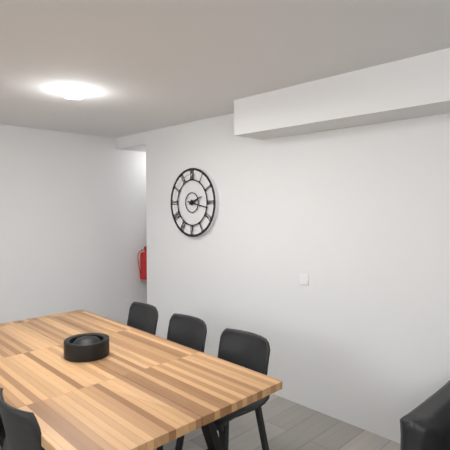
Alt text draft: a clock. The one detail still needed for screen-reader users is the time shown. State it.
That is 2:17
